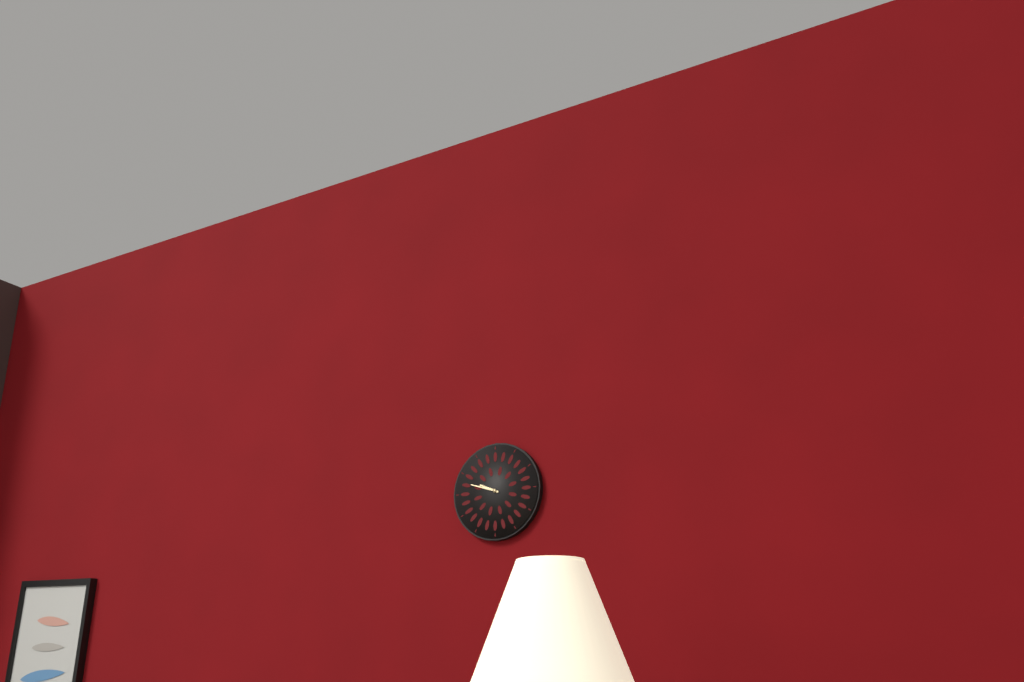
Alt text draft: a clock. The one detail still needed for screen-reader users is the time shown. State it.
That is 9:48
